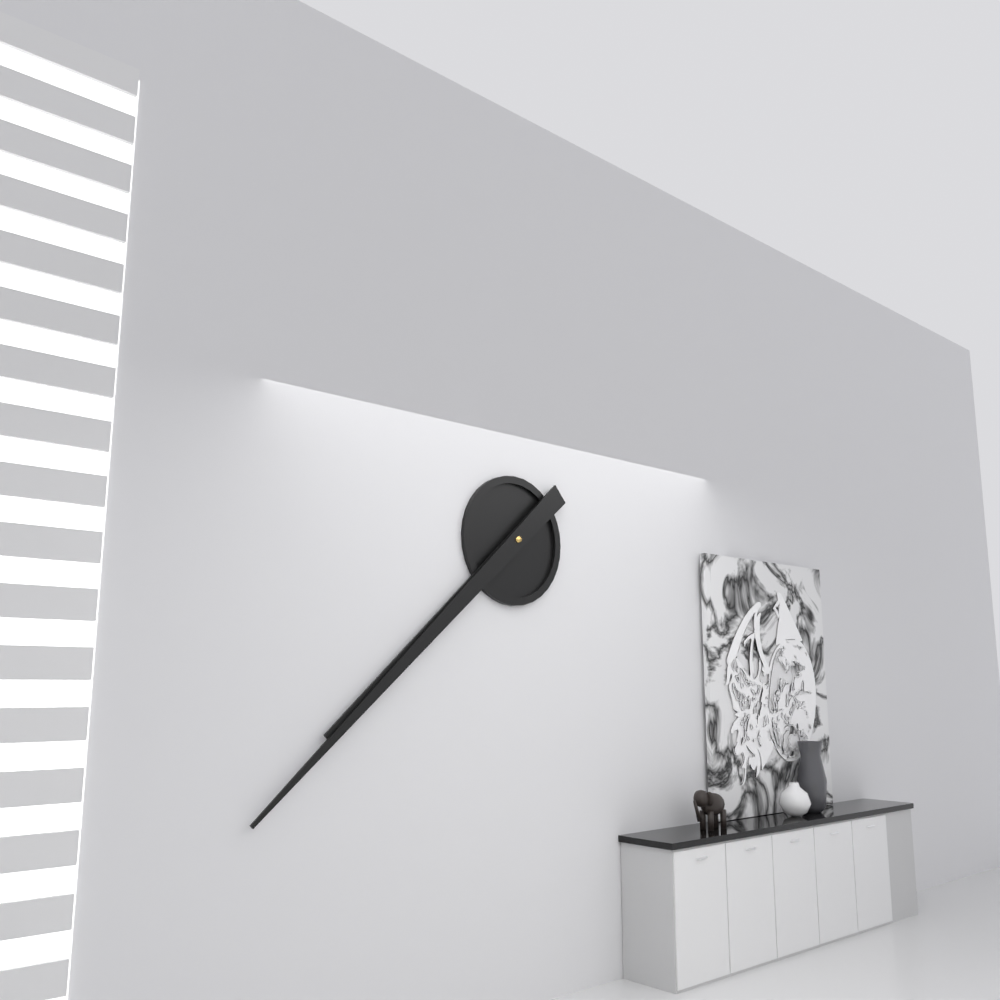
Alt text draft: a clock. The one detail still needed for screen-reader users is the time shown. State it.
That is 7:38
